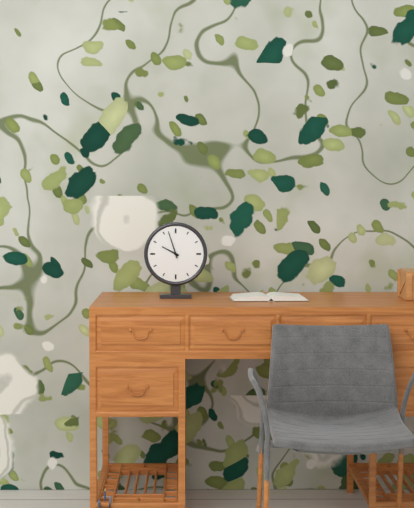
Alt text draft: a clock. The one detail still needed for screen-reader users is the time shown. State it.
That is 9:57
